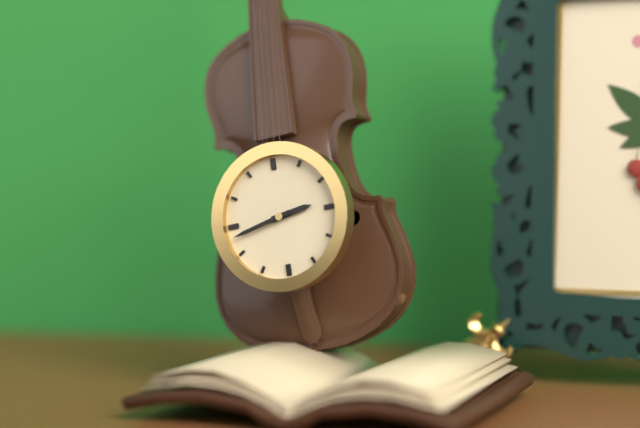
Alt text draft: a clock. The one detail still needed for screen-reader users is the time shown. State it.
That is 2:43
